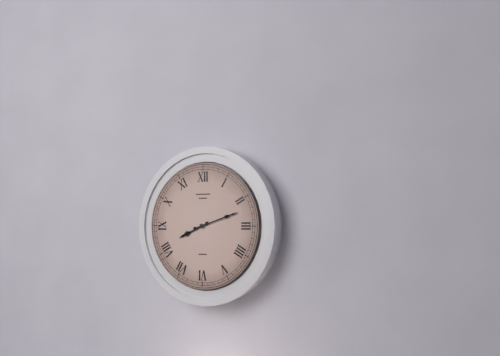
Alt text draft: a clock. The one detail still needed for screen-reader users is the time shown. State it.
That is 8:12
